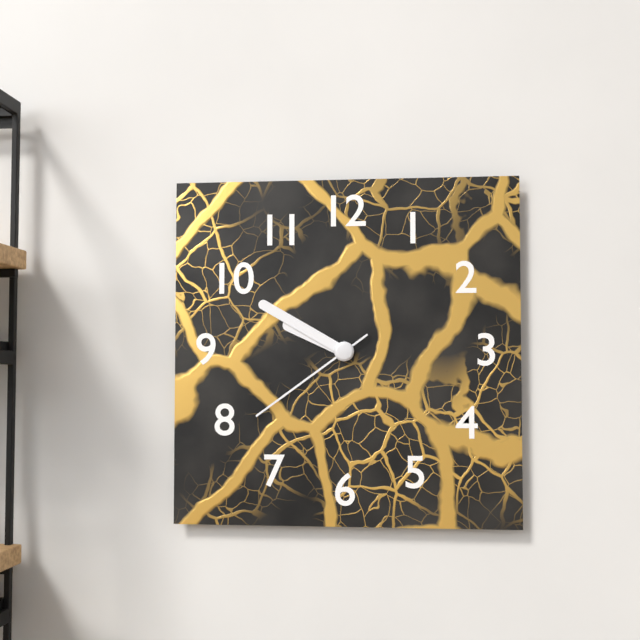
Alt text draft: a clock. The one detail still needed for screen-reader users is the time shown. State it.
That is 9:50:39
